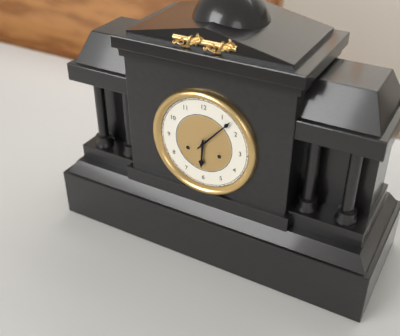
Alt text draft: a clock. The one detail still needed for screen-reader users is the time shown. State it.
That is 6:07
